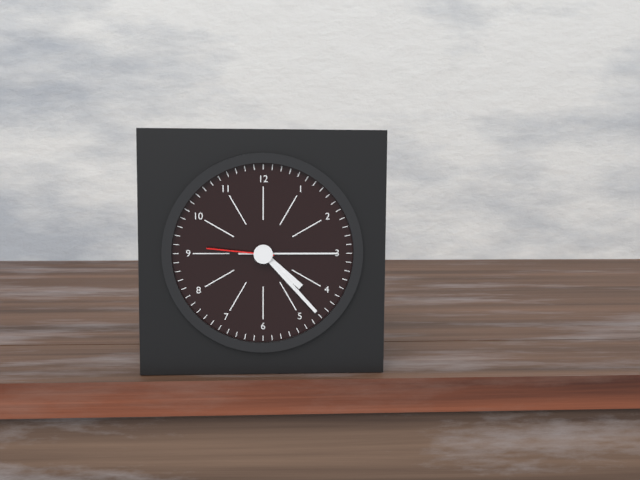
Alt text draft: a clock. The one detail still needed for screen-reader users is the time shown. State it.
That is 4:23:46
